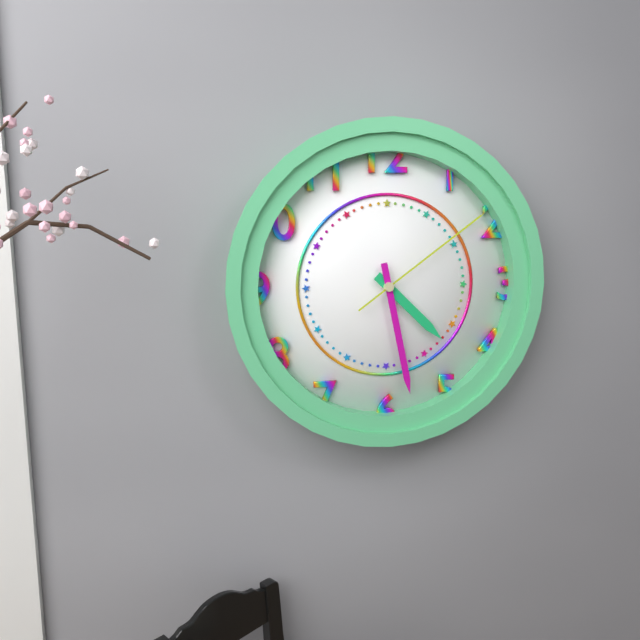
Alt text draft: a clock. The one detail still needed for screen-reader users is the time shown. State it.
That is 4:28:09
